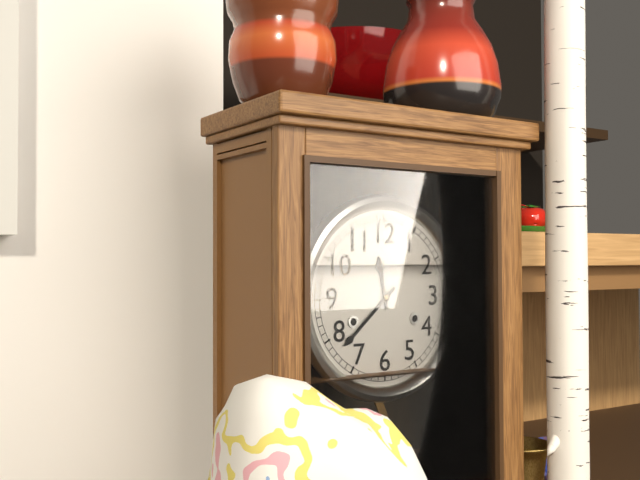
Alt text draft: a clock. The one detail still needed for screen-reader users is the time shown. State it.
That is 11:38
